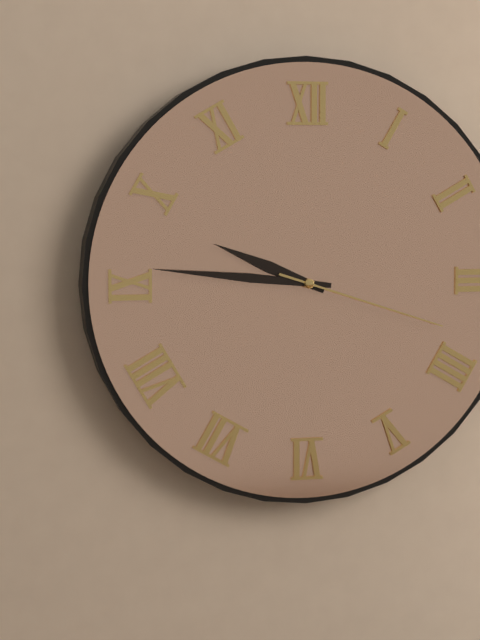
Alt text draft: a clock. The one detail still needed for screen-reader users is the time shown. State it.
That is 9:46:18
